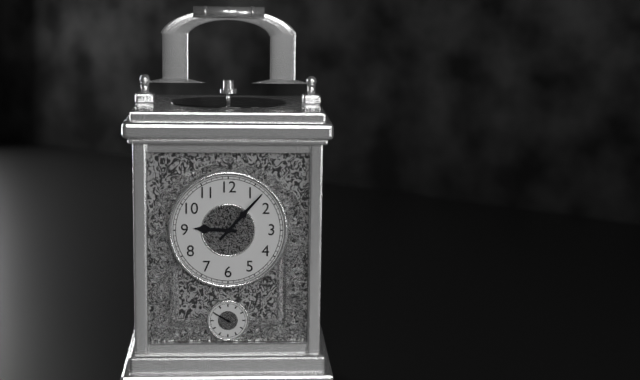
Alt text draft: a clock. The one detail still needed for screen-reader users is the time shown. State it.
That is 9:07
